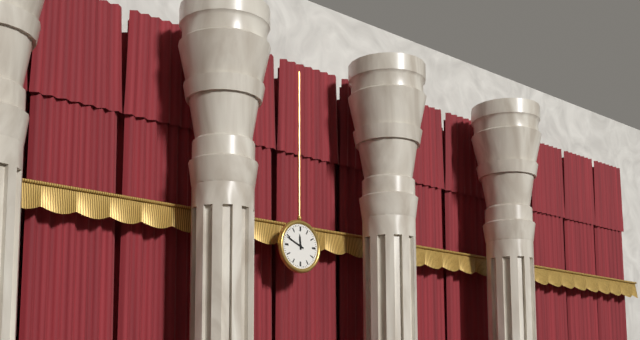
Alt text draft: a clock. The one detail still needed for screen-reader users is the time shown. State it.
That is 11:49
